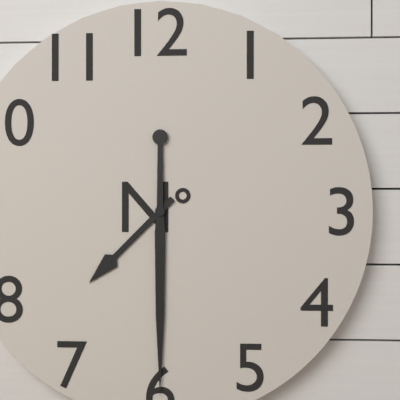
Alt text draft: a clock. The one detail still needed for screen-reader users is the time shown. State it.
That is 7:30
